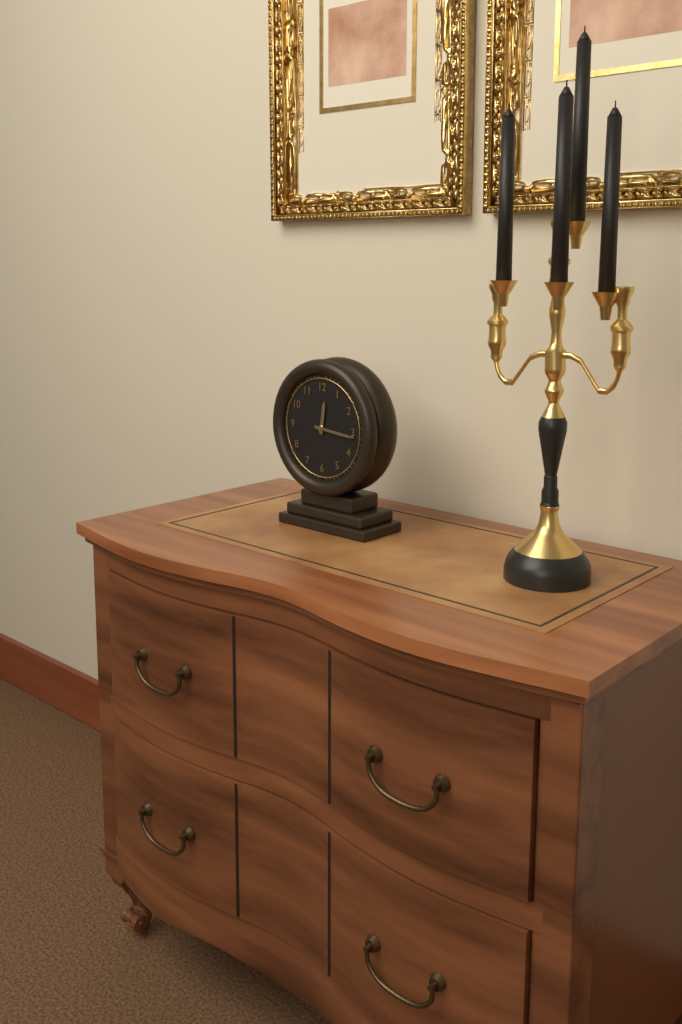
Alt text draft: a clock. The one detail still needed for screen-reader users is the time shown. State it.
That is 12:16
